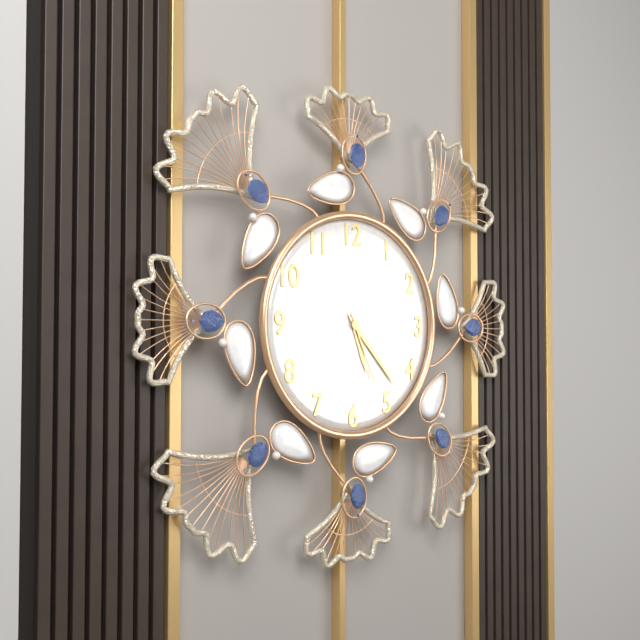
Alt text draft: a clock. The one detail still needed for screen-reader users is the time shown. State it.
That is 5:23:26
